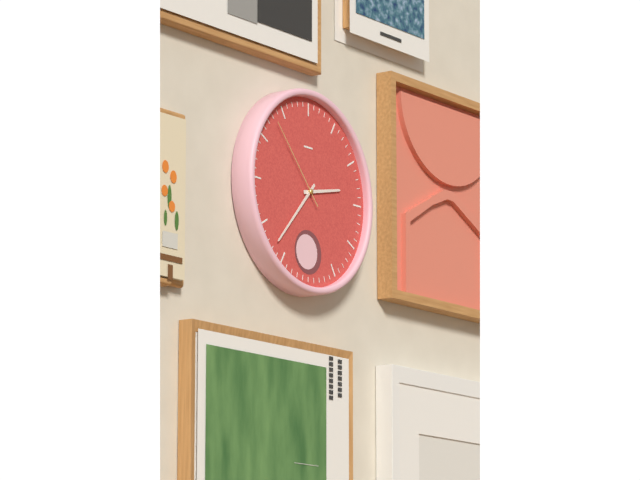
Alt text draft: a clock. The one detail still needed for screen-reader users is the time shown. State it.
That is 2:37:53
